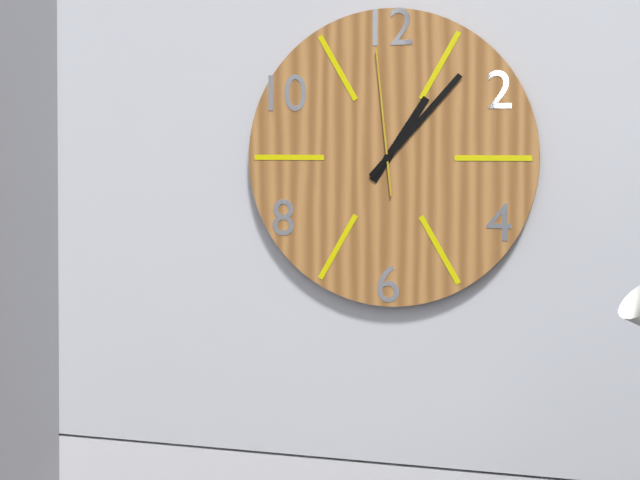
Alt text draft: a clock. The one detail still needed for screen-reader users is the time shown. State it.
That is 1:07:59
